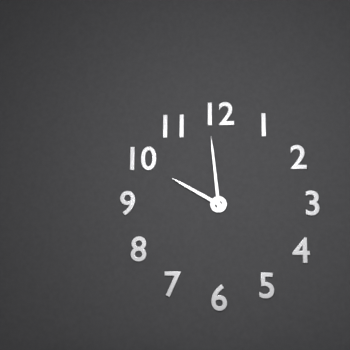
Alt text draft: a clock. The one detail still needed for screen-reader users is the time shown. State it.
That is 9:59
